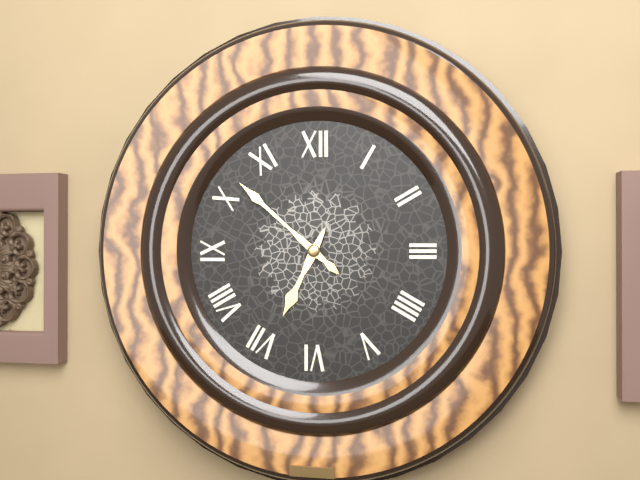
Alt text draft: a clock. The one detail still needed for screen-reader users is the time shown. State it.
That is 6:52
